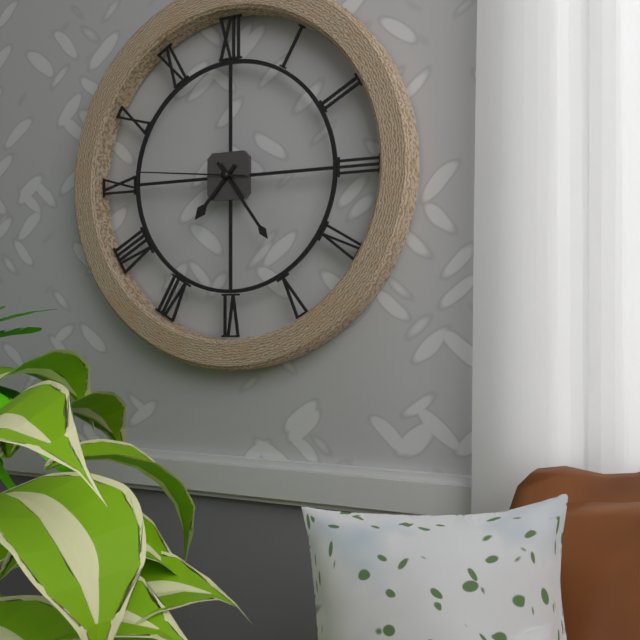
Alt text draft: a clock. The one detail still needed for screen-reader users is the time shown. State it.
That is 7:24:46
